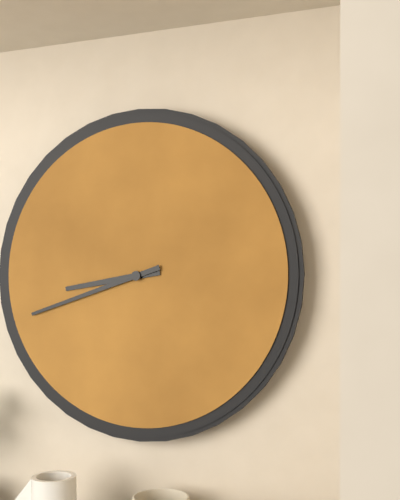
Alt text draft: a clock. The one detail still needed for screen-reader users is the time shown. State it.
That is 8:42
